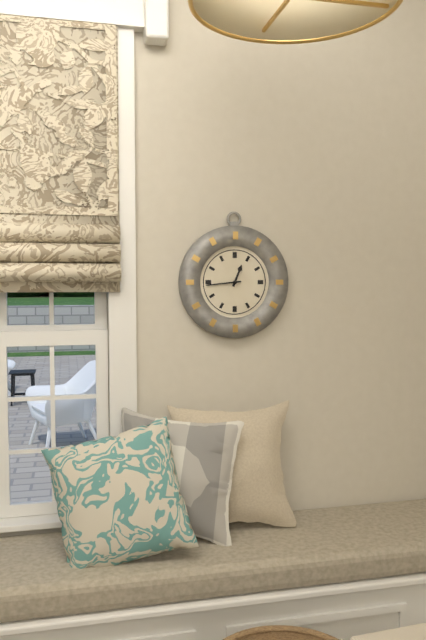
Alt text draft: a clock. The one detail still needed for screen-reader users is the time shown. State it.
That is 12:44
